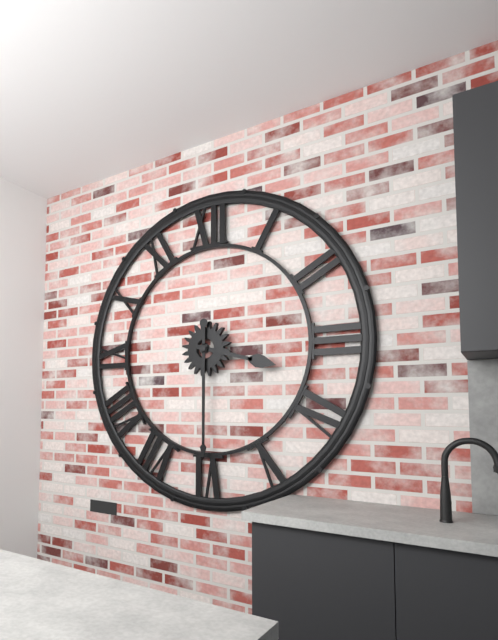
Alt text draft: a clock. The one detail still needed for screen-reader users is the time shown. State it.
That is 3:30
